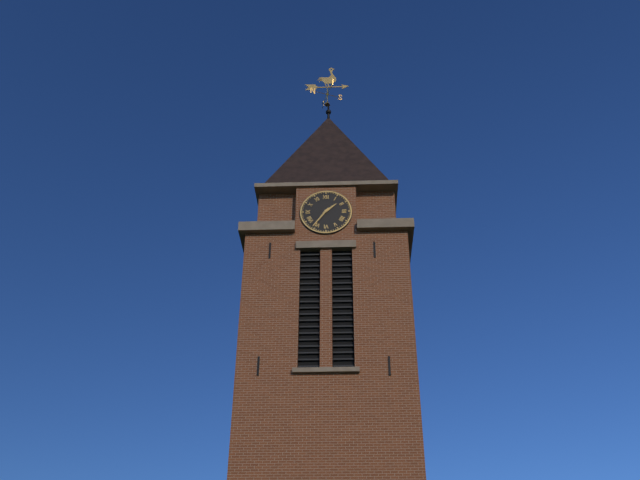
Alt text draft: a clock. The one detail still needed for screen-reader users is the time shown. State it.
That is 1:36
